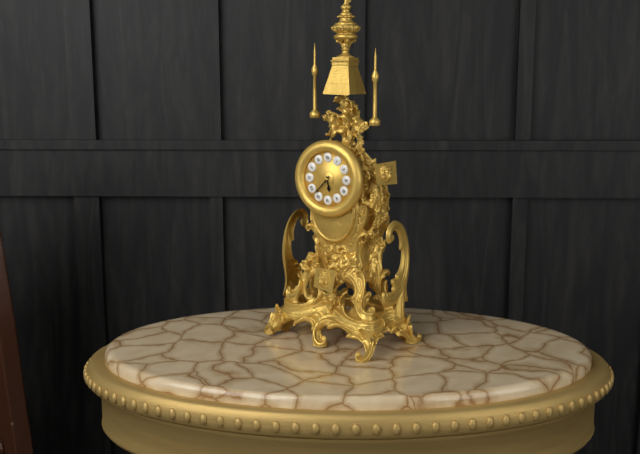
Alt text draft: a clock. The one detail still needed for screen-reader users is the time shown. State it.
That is 5:37
